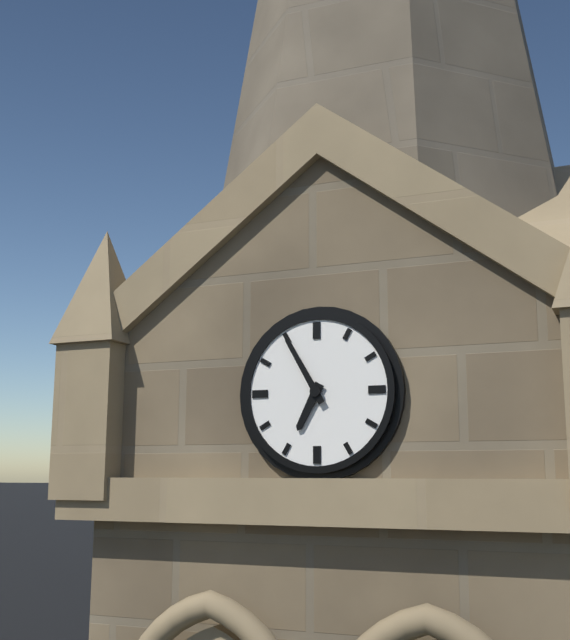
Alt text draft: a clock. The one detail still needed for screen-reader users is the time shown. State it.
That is 6:55
